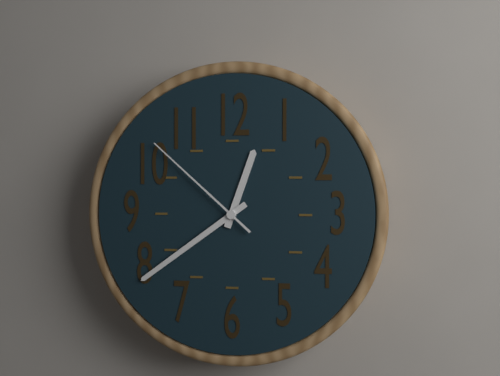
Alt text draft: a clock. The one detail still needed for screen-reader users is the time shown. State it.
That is 12:39:52
